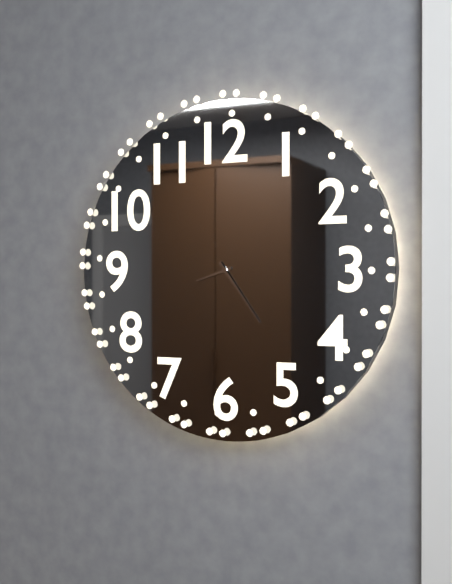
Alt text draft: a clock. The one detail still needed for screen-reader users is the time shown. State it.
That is 8:24
